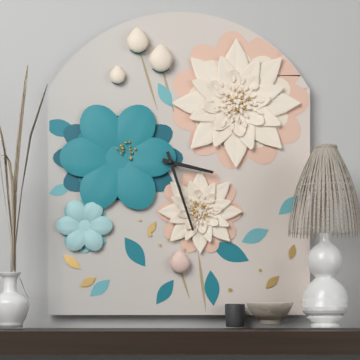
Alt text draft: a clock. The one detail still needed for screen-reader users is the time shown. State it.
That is 3:27
